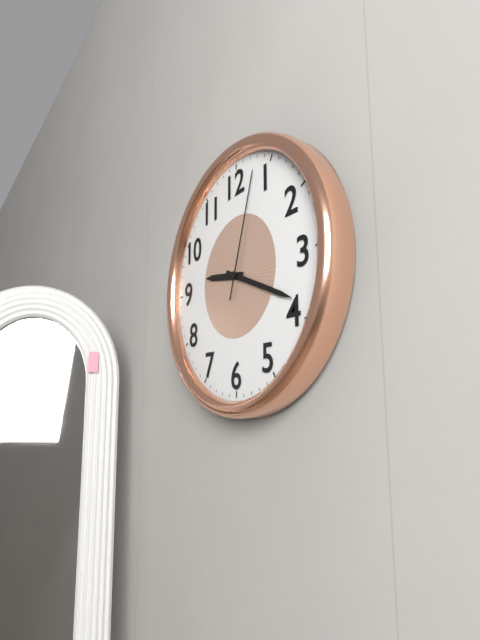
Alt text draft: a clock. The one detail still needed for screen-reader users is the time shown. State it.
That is 9:19:03
